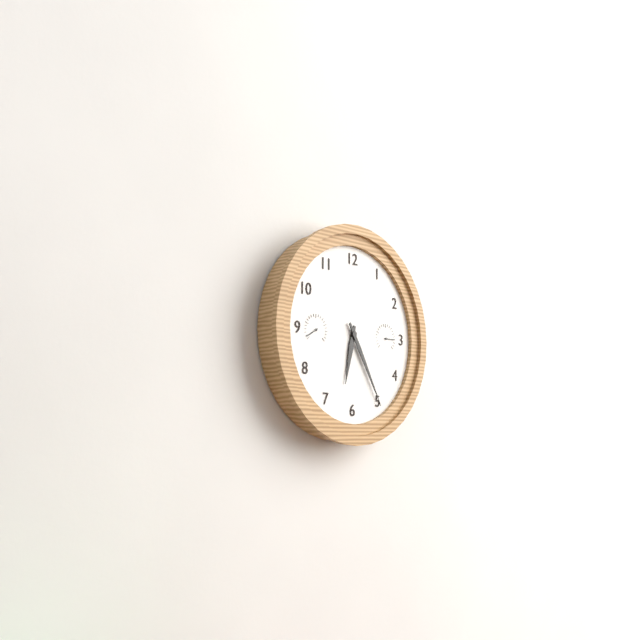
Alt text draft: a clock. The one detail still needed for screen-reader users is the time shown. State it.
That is 6:25
